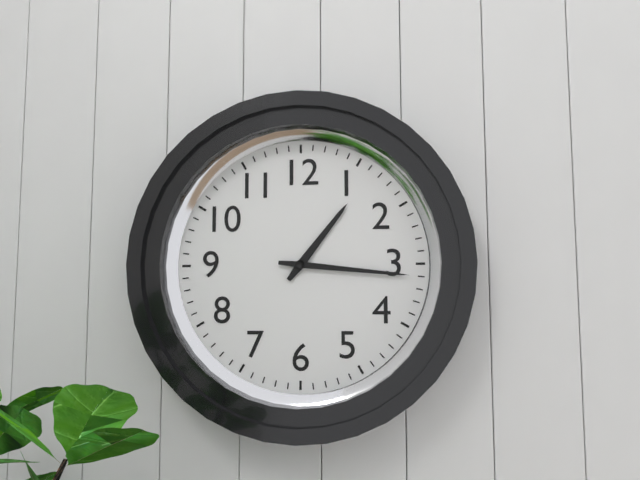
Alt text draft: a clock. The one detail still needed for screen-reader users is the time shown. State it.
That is 1:16
